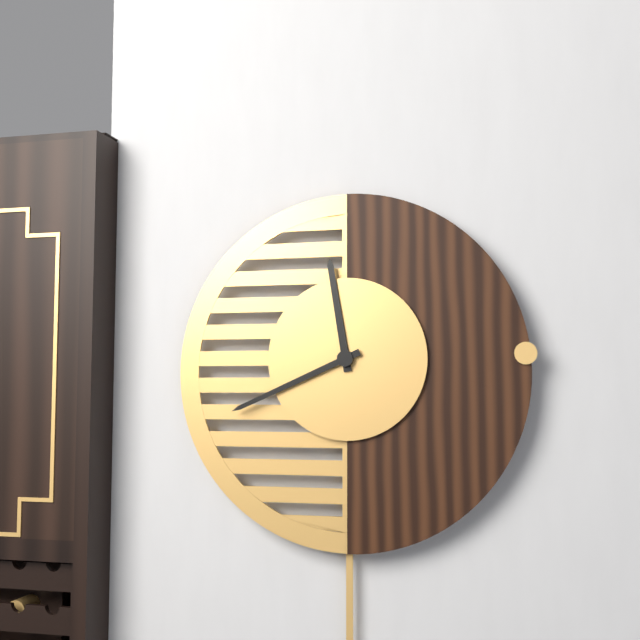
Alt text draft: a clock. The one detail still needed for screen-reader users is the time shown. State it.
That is 11:41
